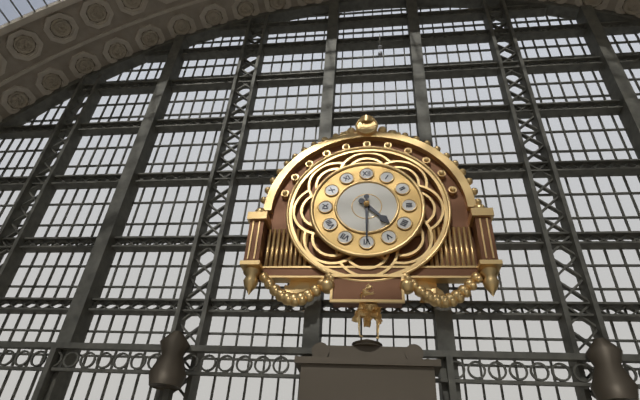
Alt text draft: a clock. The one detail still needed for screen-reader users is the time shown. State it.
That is 4:30
